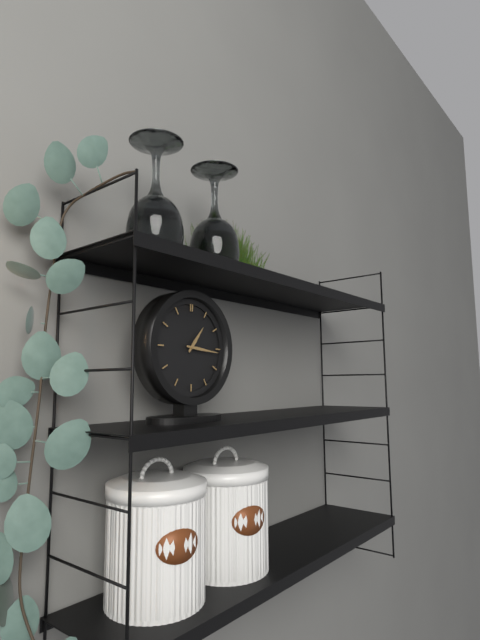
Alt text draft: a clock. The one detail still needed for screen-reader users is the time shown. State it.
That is 1:16
